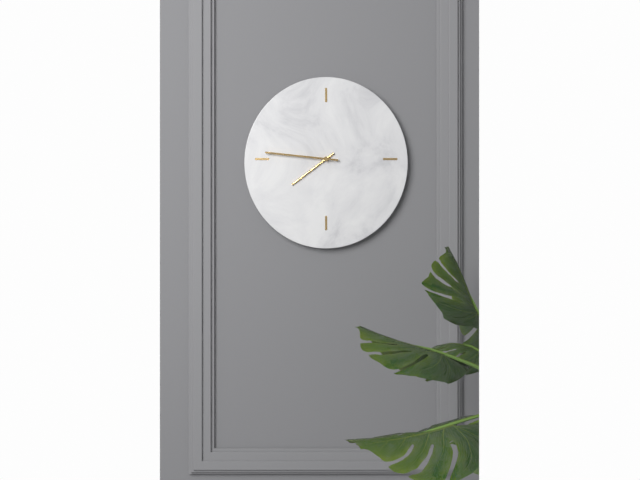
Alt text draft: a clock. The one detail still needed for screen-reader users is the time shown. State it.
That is 7:46
